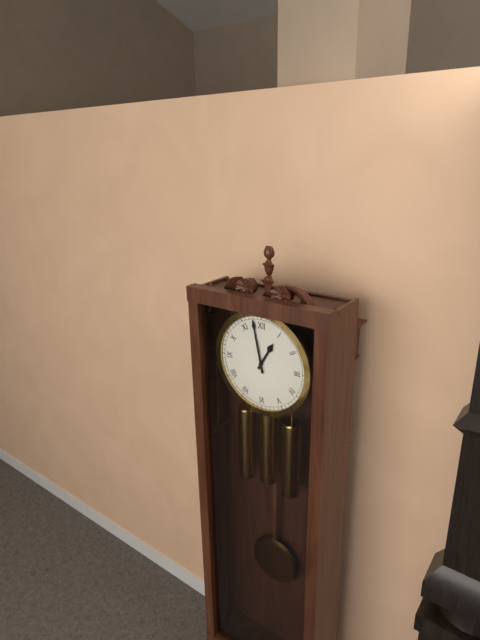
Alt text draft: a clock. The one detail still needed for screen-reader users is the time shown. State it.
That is 12:58
